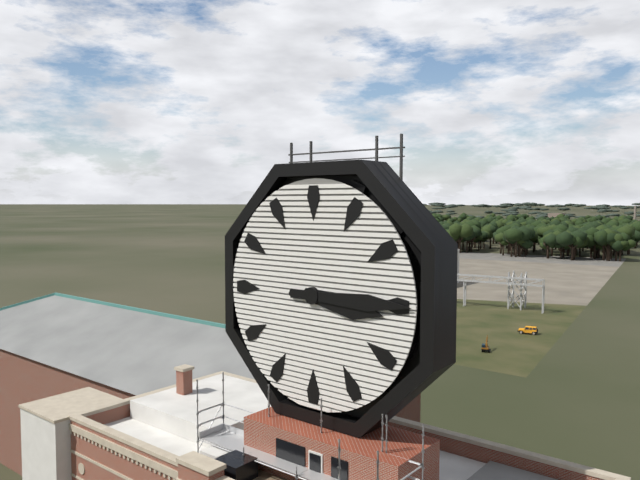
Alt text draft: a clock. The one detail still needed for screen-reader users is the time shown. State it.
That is 3:15
